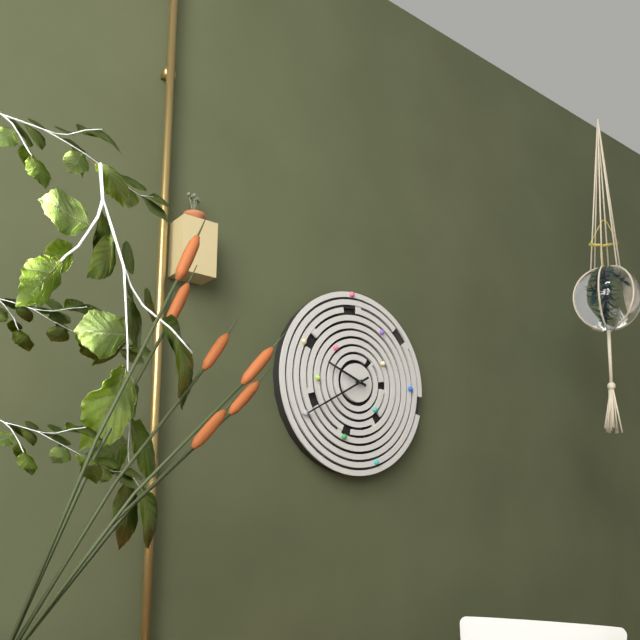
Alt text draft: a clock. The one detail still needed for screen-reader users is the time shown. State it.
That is 9:40
